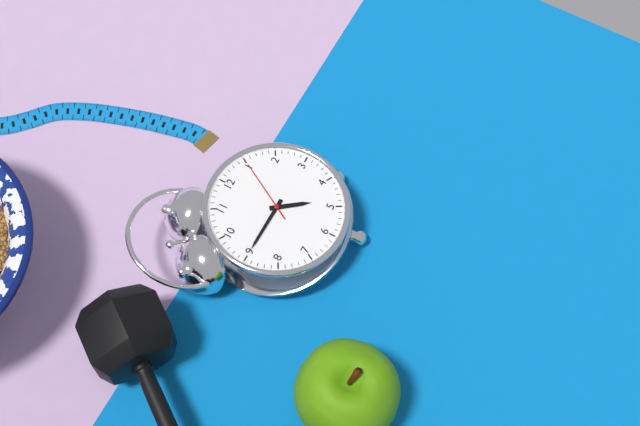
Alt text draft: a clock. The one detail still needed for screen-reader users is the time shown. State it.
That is 4:45:05
